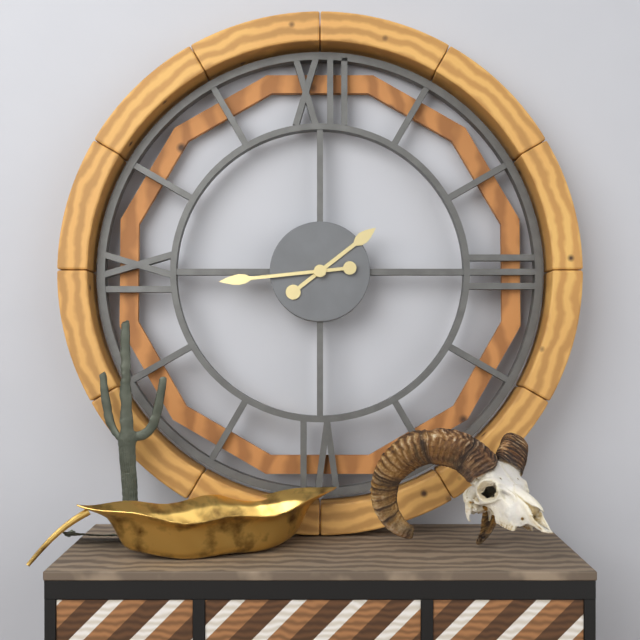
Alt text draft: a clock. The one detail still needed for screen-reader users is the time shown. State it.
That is 1:44
